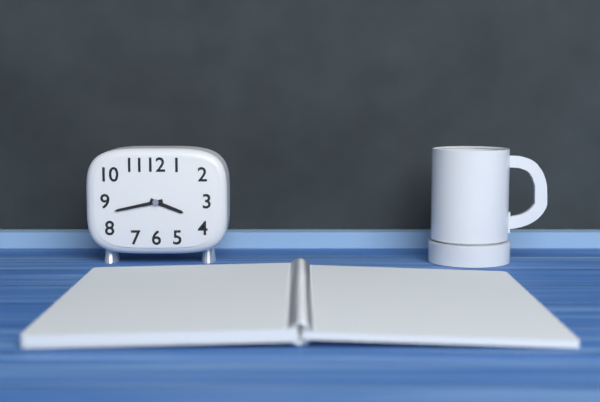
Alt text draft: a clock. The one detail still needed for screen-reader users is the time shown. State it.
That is 3:43
